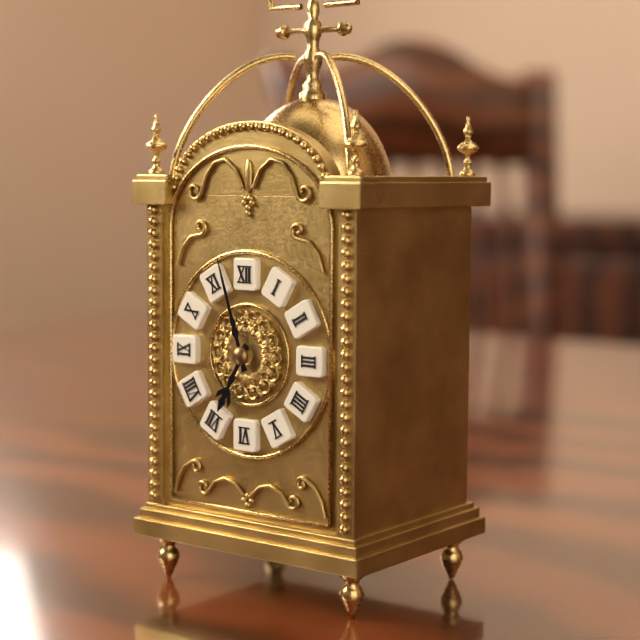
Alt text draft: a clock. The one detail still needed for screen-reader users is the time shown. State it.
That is 6:57
